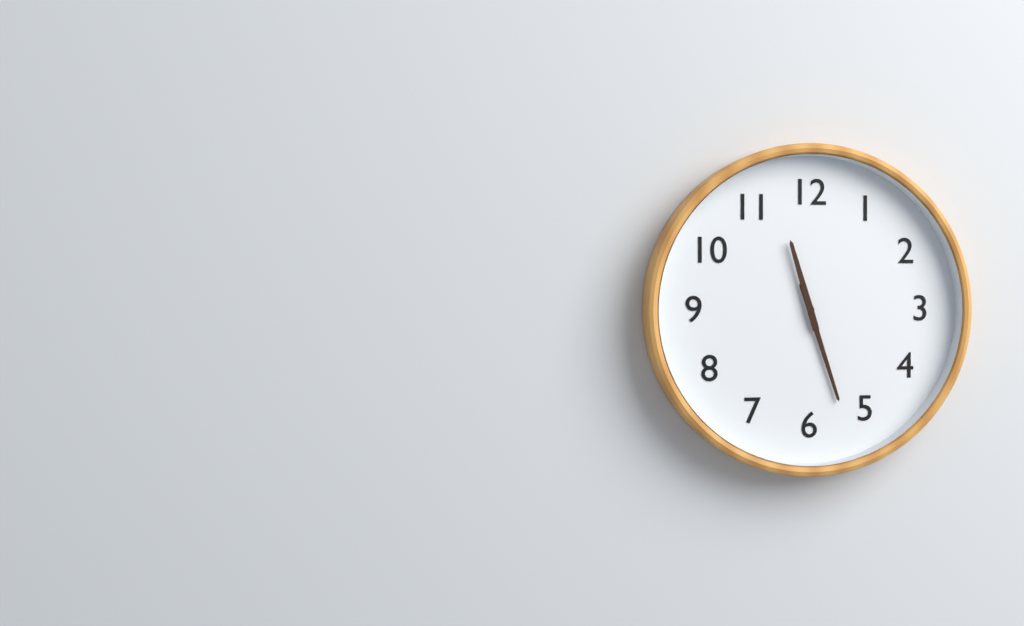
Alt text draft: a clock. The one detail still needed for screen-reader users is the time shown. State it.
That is 11:27
